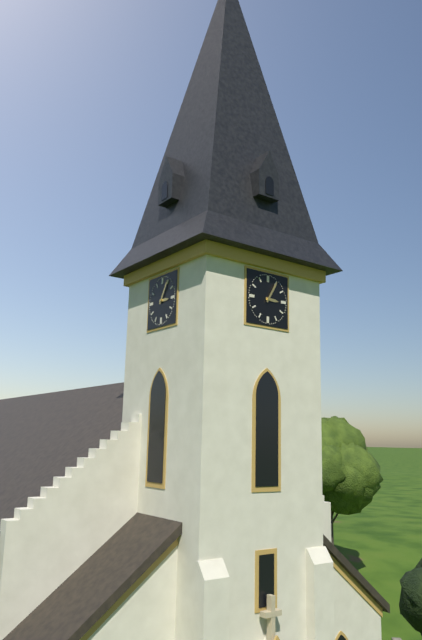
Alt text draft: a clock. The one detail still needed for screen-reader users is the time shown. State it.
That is 3:05
